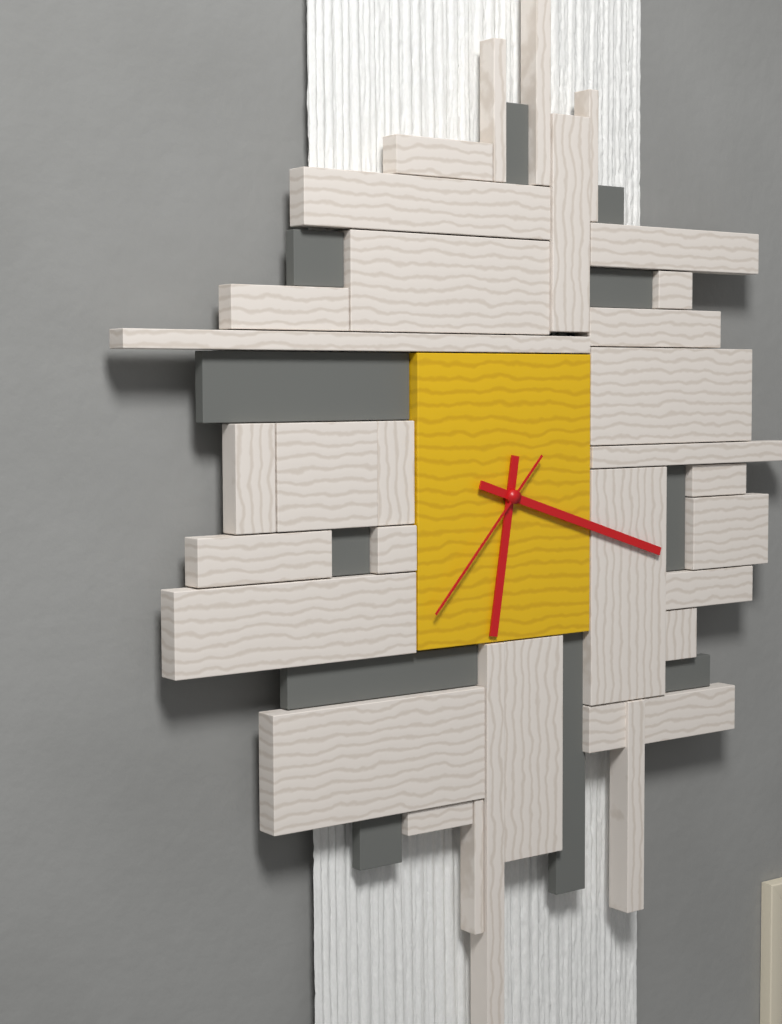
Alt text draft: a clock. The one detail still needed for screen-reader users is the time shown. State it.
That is 6:18:37
